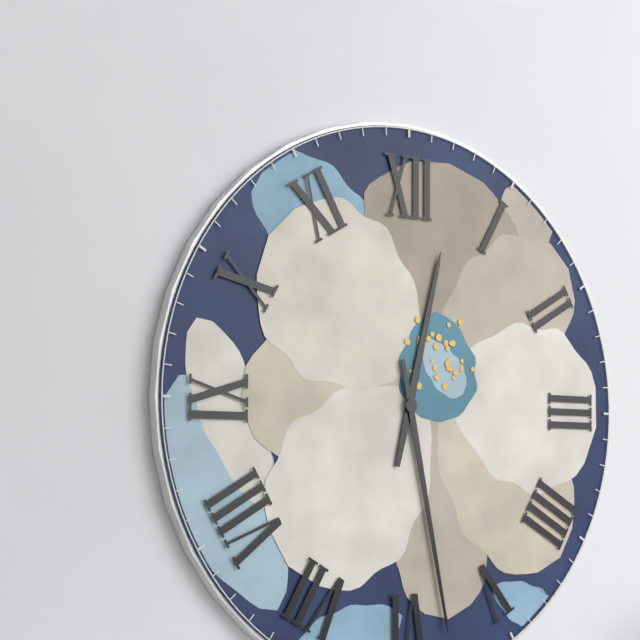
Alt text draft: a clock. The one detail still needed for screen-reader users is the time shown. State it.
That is 12:28
